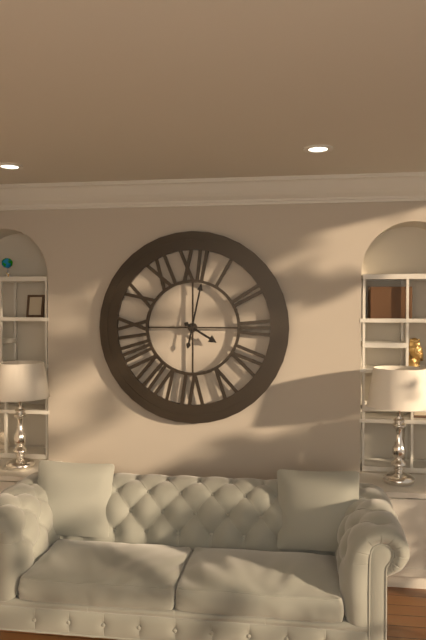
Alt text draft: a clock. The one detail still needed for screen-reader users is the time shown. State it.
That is 4:02
